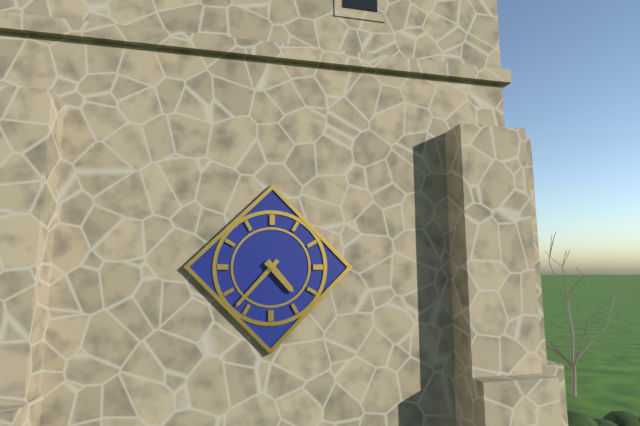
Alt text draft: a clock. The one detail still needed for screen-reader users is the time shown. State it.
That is 4:37
